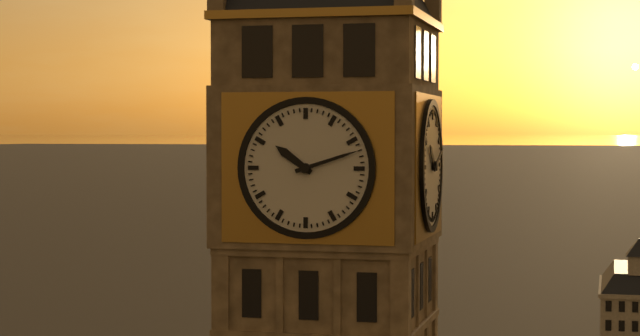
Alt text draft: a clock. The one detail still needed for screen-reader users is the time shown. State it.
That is 10:12
